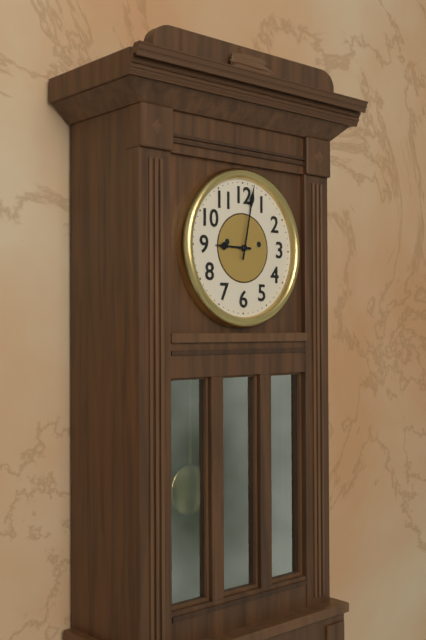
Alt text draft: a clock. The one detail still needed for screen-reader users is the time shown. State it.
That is 9:02
